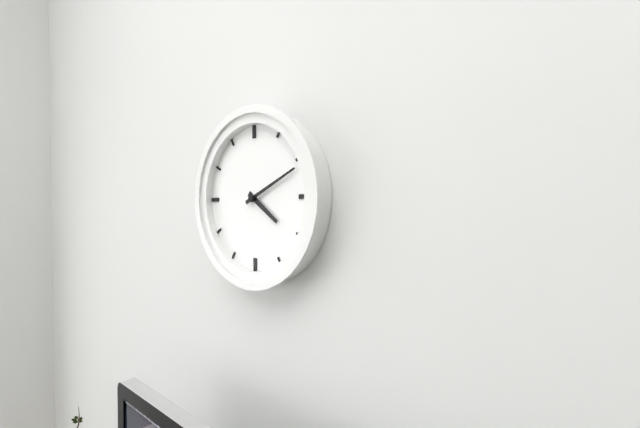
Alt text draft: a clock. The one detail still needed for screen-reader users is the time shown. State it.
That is 4:11
